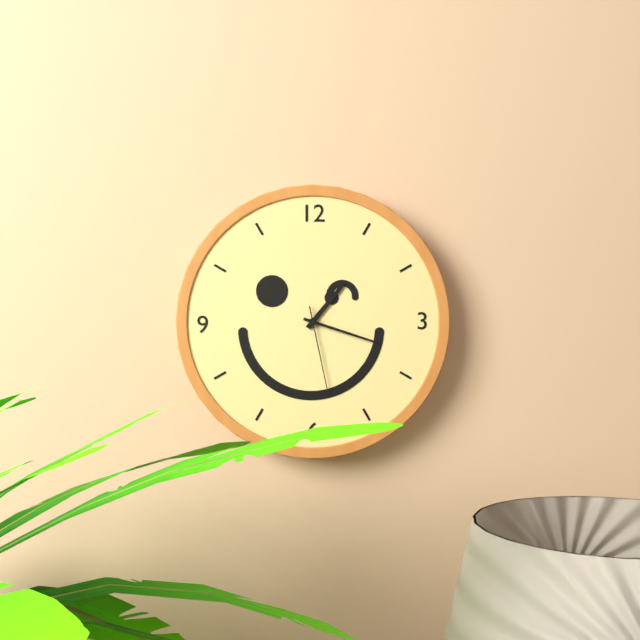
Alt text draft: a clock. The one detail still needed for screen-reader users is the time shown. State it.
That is 1:18:28
